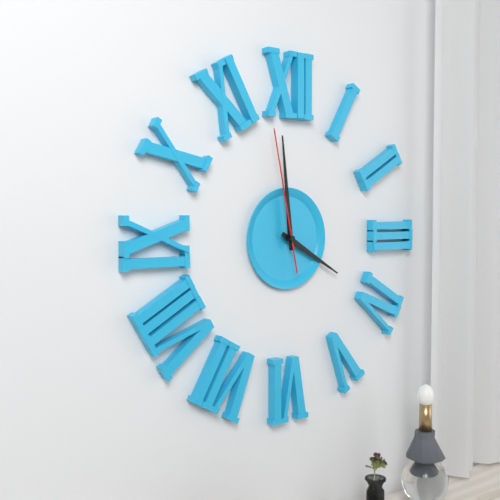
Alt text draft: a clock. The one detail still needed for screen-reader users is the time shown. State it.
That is 3:59:58
